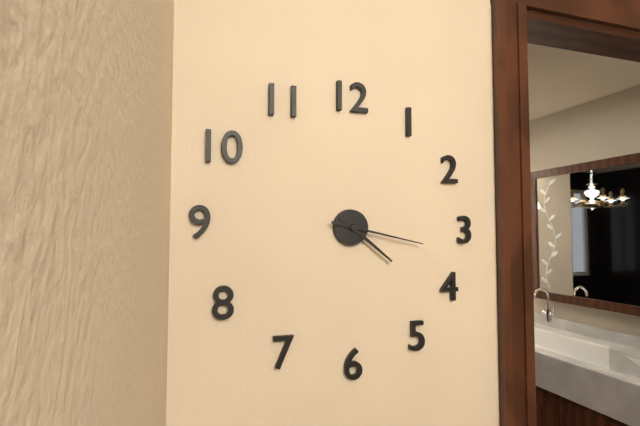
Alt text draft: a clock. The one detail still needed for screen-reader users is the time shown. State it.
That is 4:17
